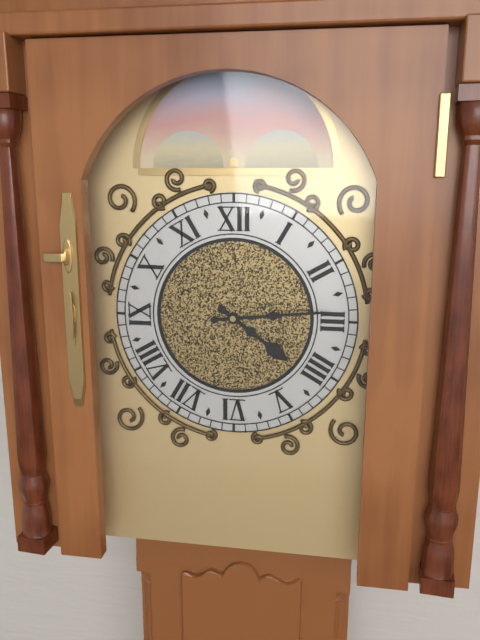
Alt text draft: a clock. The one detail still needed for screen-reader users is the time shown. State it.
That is 4:14
